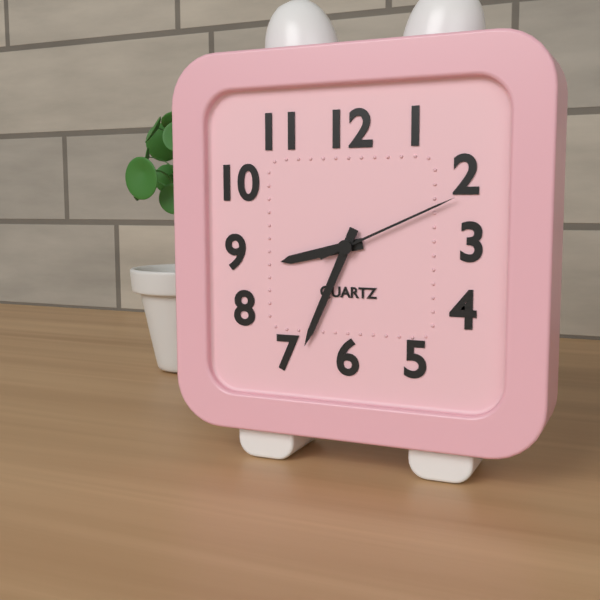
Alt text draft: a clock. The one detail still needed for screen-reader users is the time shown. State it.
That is 8:34:11
